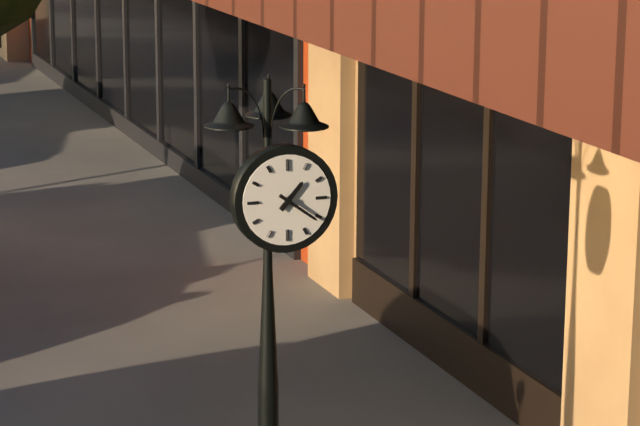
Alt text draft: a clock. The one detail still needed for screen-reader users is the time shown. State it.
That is 1:21
